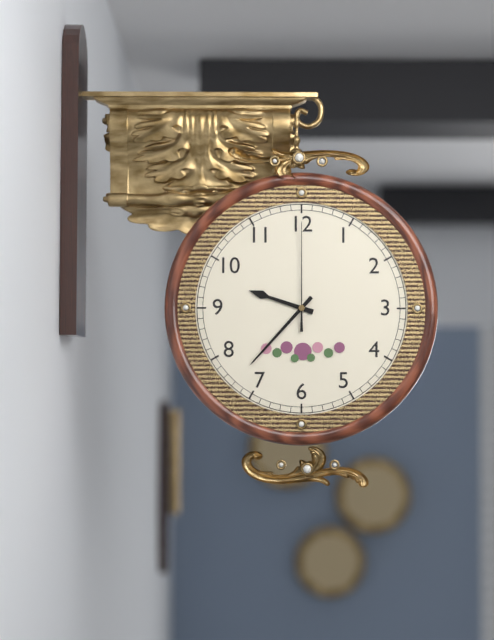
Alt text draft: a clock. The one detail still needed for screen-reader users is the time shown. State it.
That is 9:37:00
